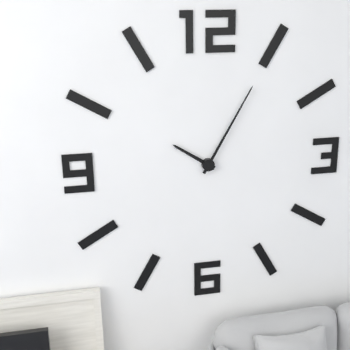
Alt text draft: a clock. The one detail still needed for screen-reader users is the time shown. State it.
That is 10:05
